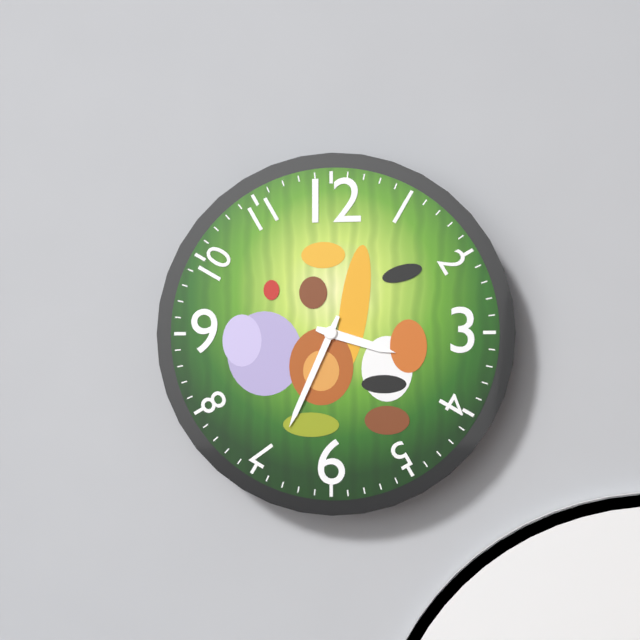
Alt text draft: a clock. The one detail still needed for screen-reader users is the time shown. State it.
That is 3:34
